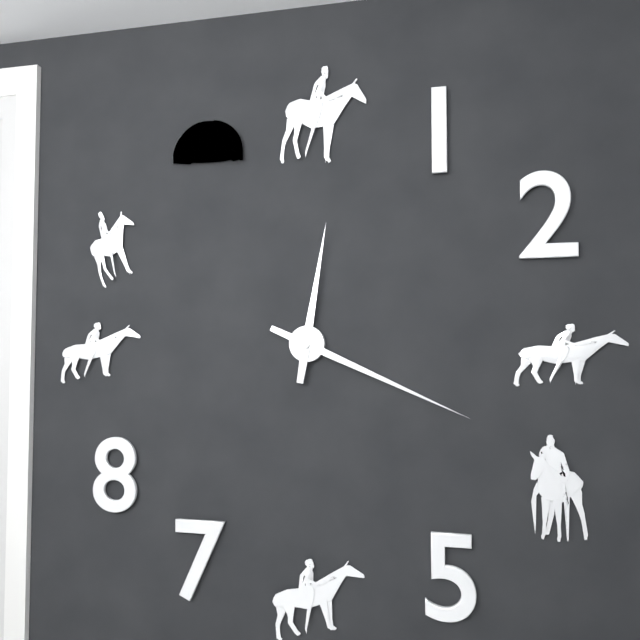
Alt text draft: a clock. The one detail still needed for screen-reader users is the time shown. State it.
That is 12:19
